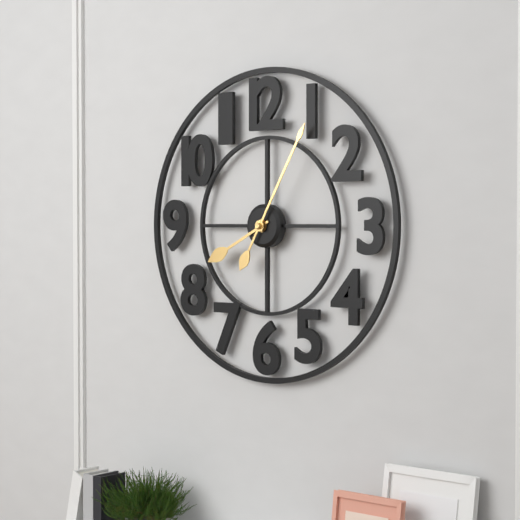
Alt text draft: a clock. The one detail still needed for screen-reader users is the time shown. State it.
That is 8:05
